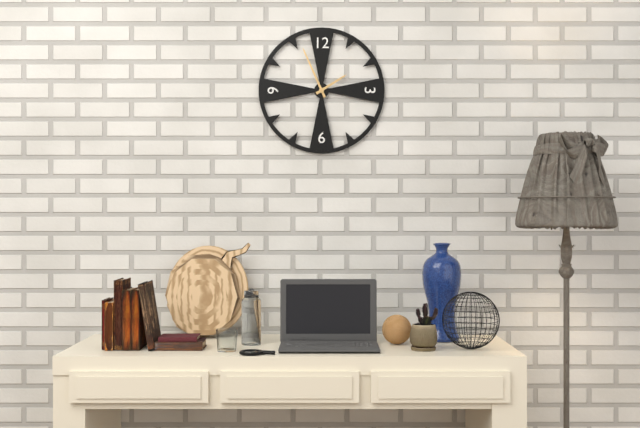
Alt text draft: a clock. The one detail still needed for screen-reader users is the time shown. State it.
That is 1:56
